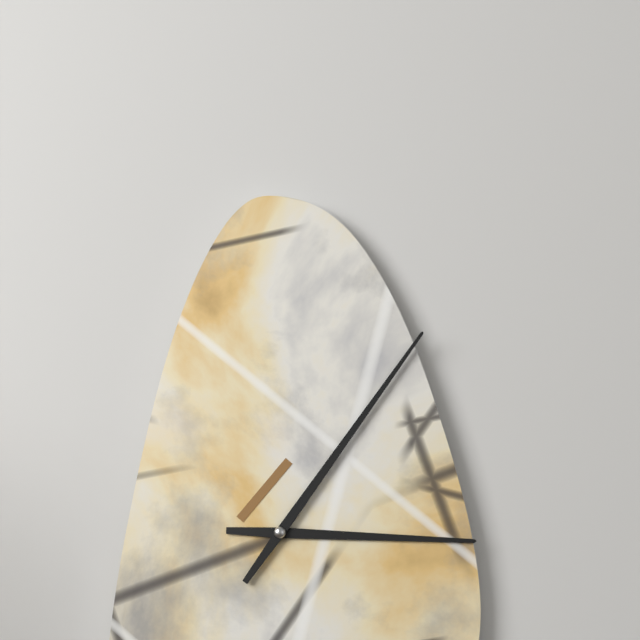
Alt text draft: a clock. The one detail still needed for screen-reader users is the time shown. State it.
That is 3:06
